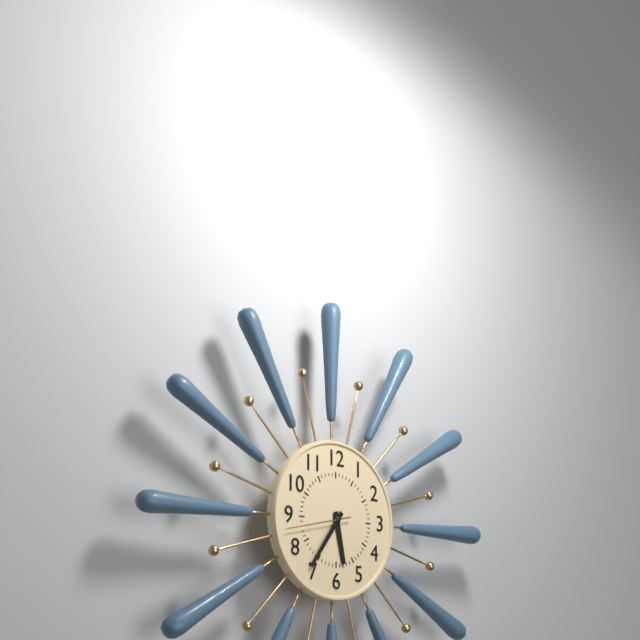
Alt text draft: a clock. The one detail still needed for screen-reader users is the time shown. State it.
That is 5:36
